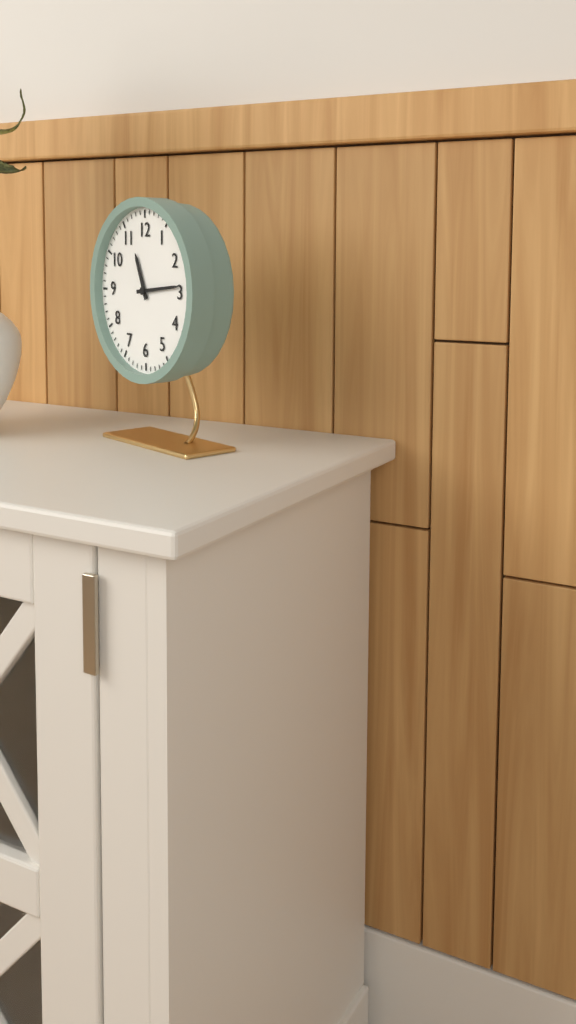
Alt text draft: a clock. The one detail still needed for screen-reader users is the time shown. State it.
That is 11:14
